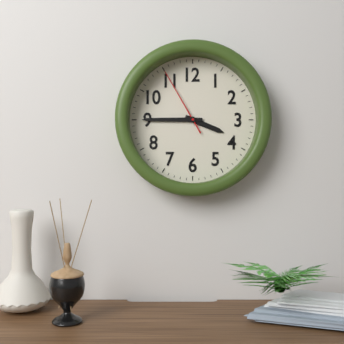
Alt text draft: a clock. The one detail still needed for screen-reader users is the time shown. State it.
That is 3:45:55
